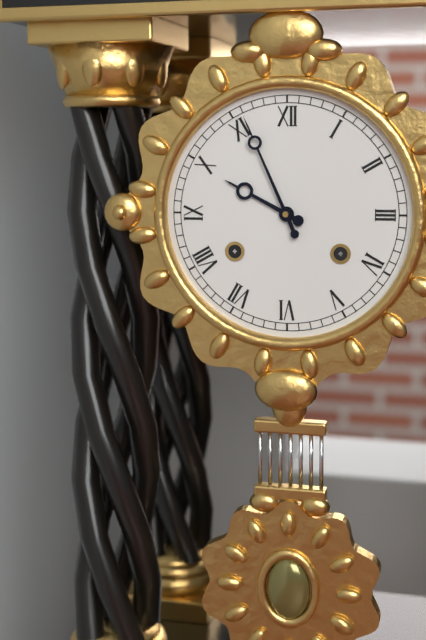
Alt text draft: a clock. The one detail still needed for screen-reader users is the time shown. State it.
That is 9:56
